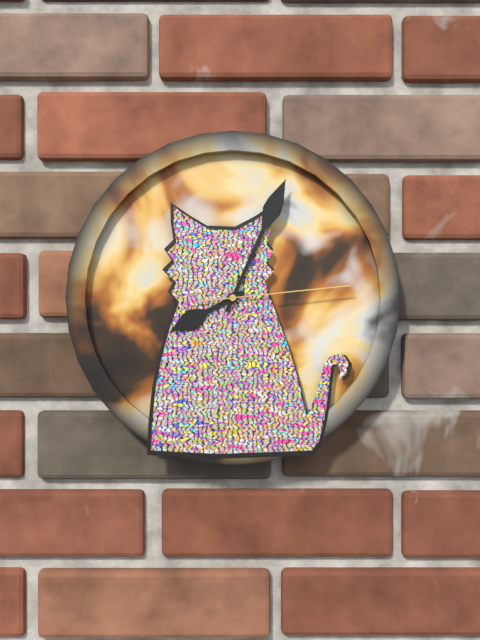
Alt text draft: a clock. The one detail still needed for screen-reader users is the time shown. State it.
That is 8:04:14
